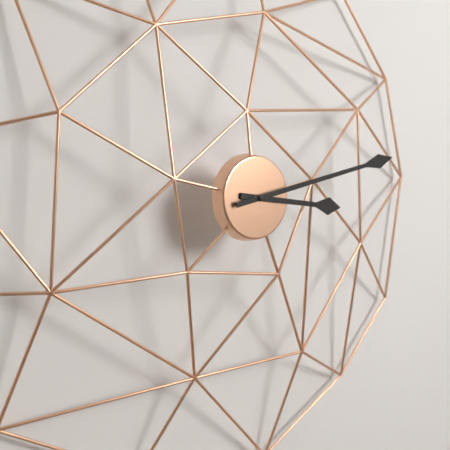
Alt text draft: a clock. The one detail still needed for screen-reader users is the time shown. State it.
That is 3:13
